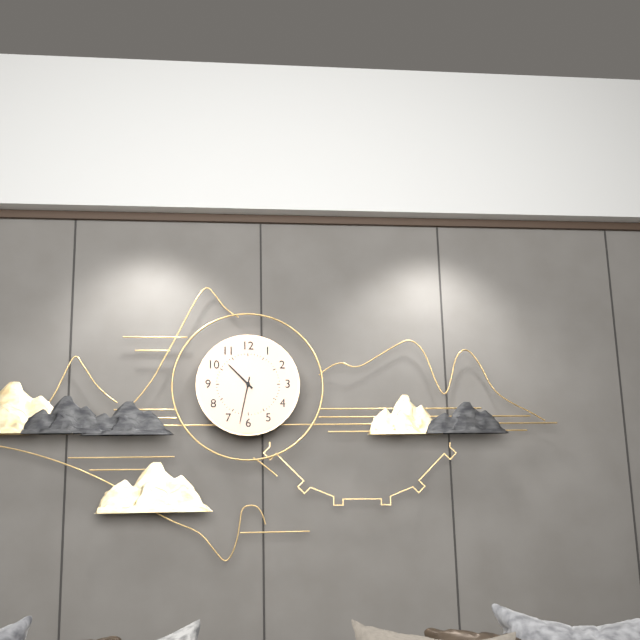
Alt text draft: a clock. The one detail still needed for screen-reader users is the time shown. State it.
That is 10:32
